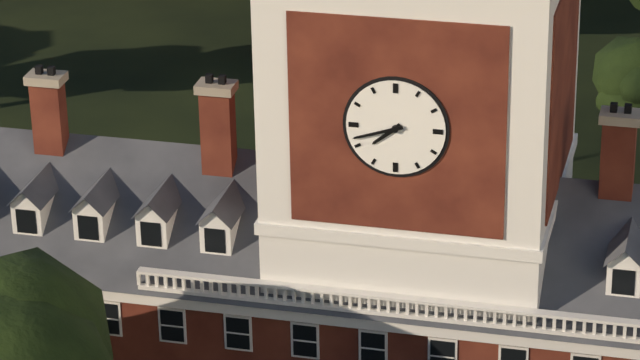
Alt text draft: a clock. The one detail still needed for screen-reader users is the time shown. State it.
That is 7:42
